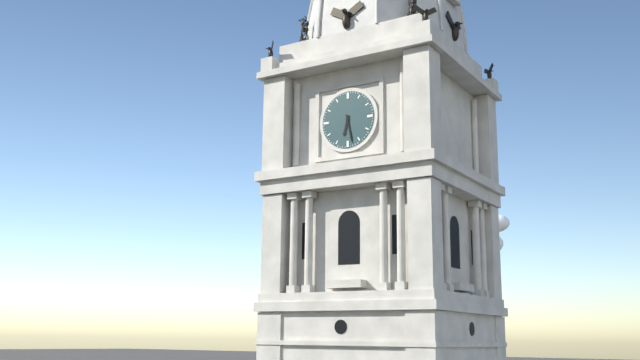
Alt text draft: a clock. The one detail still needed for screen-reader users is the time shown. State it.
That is 6:28
